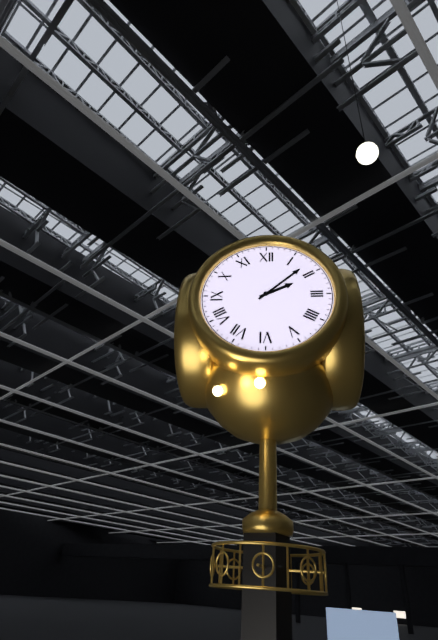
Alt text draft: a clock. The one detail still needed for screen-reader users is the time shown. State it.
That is 2:08
